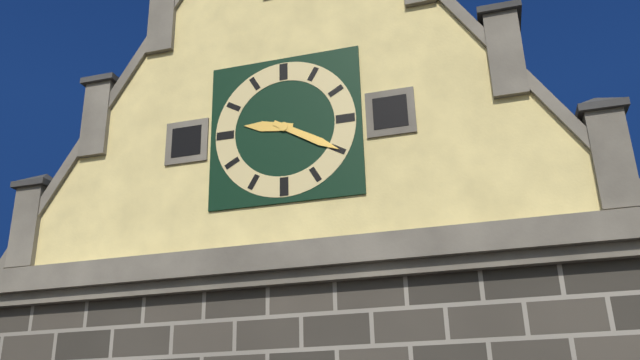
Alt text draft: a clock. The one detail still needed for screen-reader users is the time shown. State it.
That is 9:20
